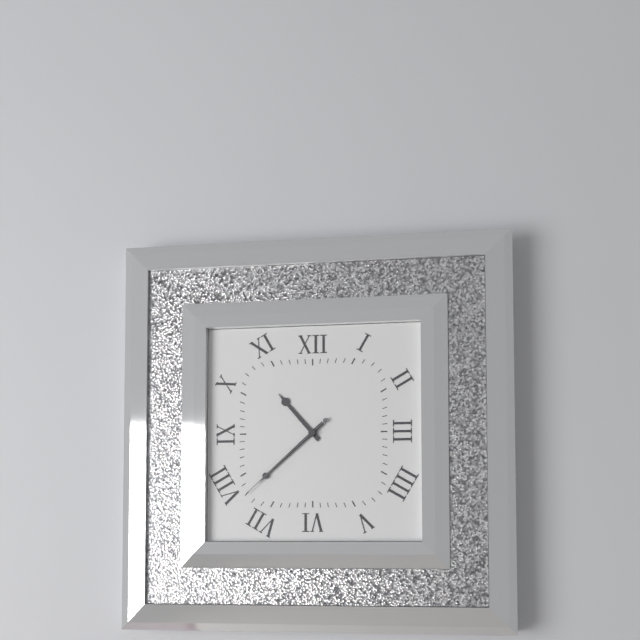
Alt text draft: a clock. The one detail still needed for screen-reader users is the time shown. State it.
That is 10:38:38
